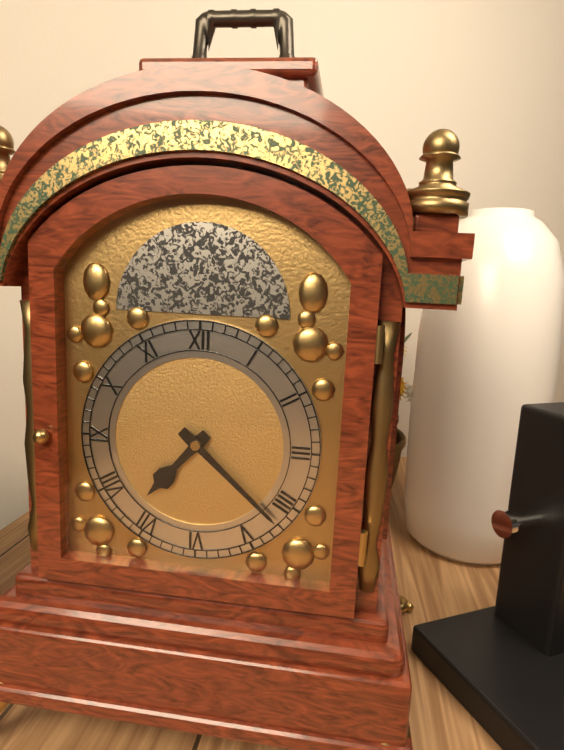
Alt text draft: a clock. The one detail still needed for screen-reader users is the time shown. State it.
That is 7:22
